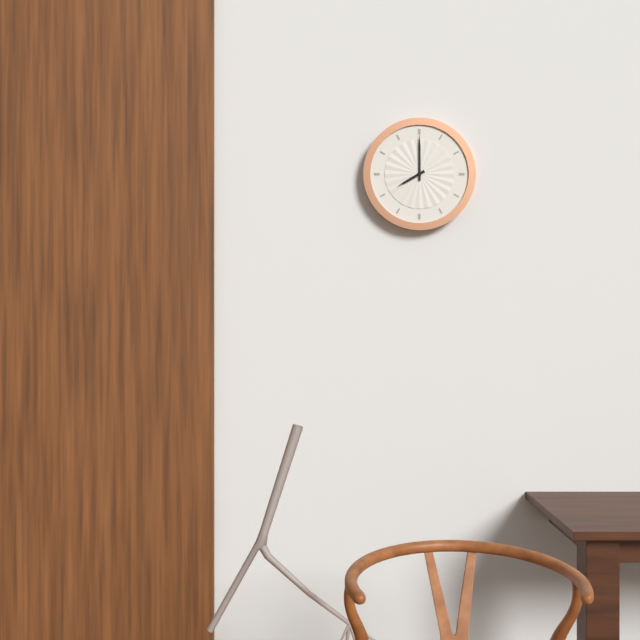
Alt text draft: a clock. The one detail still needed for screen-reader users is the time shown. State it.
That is 8:00
